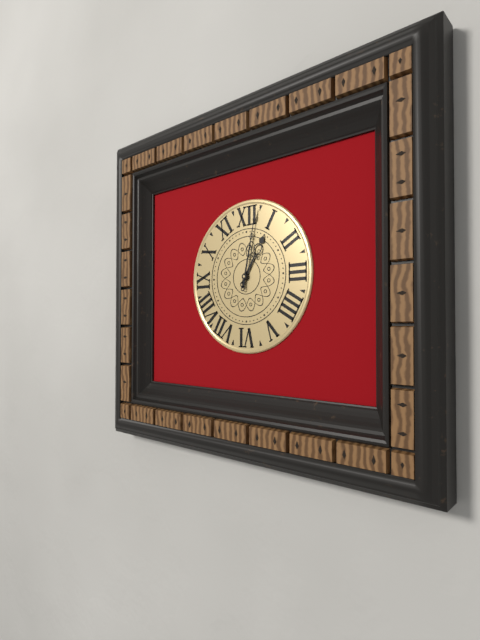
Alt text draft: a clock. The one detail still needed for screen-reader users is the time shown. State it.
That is 1:02
